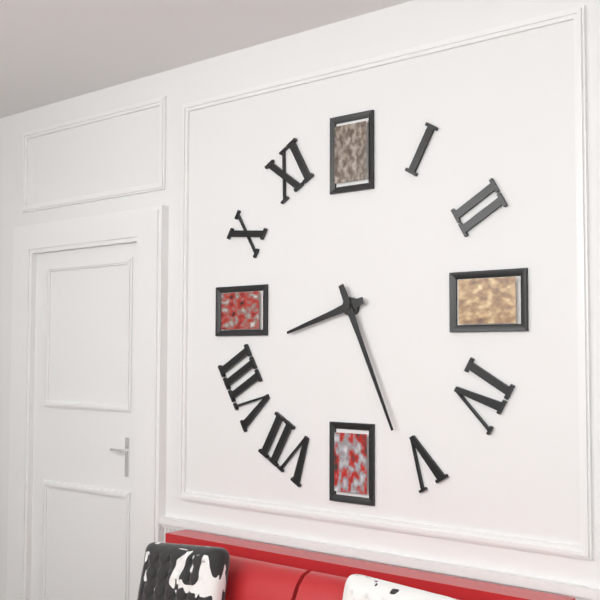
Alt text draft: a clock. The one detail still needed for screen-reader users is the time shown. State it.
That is 8:26
